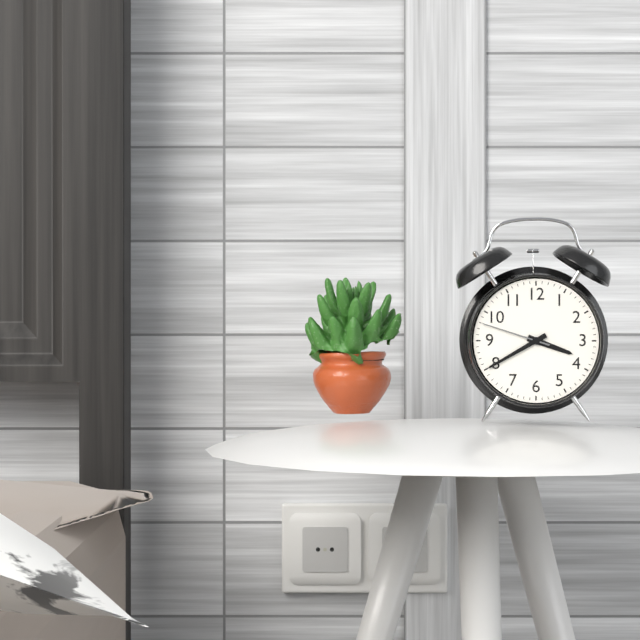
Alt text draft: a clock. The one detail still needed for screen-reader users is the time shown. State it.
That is 3:40:48
